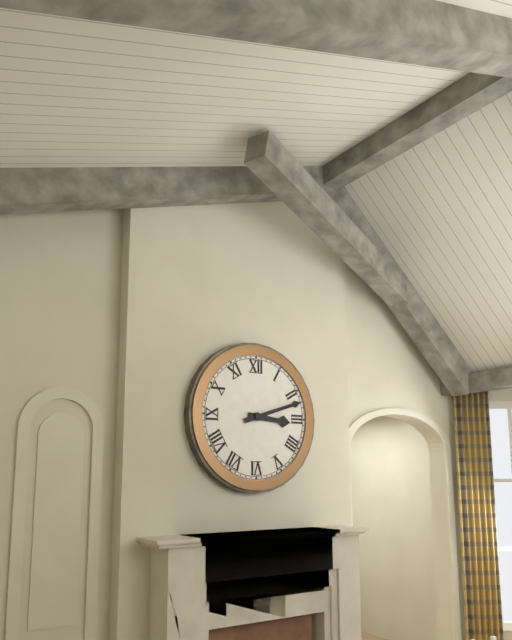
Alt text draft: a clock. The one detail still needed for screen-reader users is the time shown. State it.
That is 3:12
